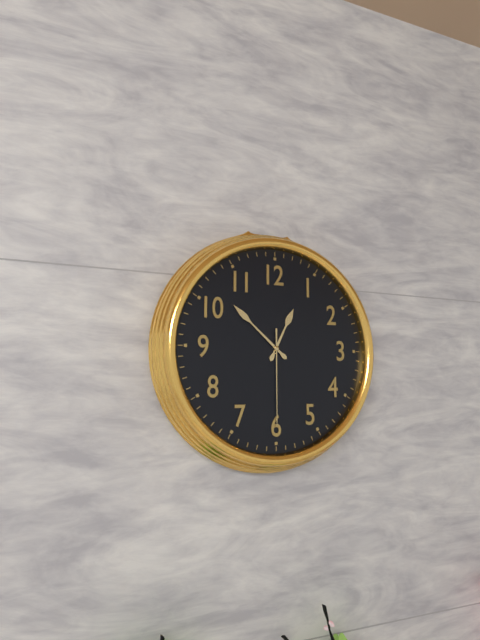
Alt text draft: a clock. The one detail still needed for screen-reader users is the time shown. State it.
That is 12:52:30
